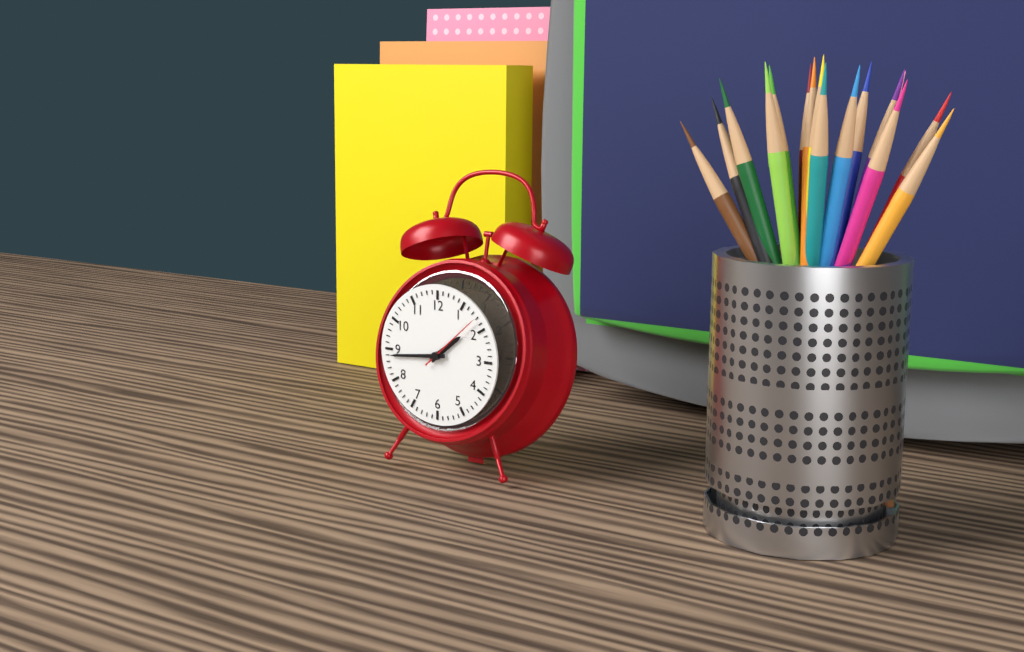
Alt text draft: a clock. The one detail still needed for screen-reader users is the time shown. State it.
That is 1:44:08
